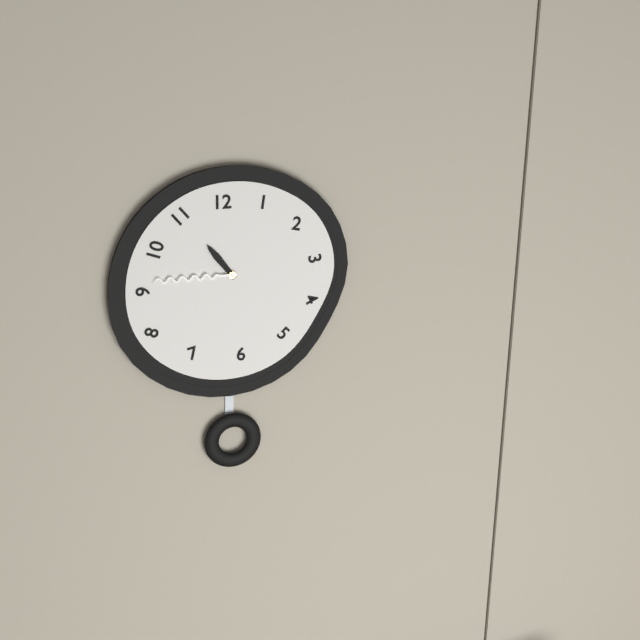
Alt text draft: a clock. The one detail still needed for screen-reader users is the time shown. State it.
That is 10:45
